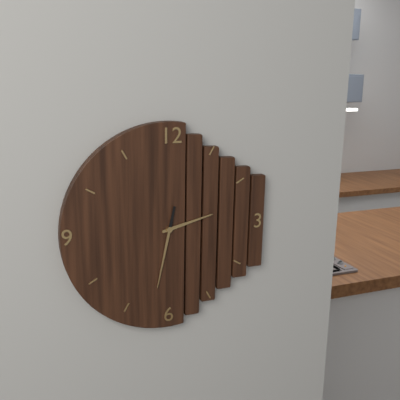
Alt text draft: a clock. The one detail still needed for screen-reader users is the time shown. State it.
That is 2:32
